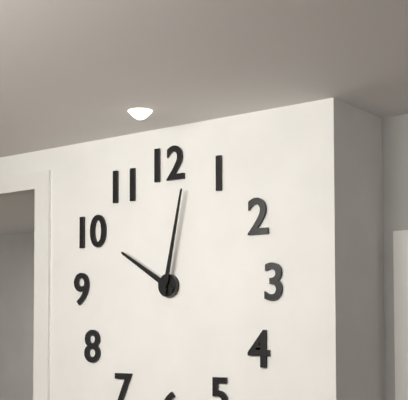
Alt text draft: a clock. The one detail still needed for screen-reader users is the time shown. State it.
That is 10:02
